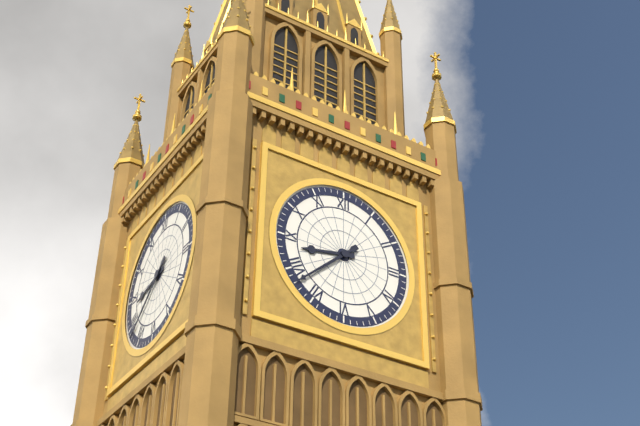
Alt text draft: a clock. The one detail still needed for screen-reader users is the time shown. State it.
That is 8:38
